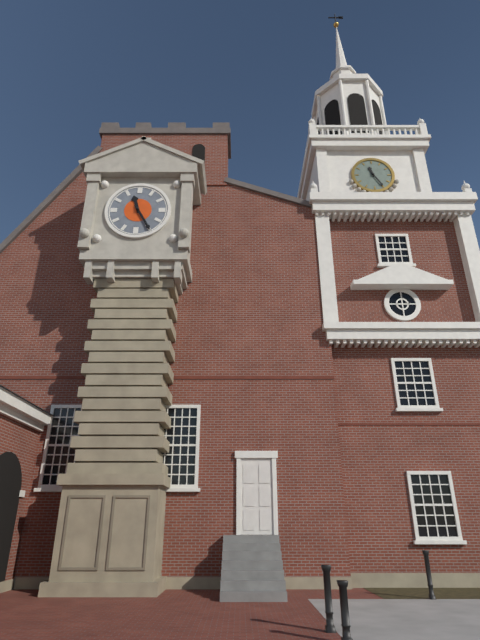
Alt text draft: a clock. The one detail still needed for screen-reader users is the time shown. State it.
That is 11:25
